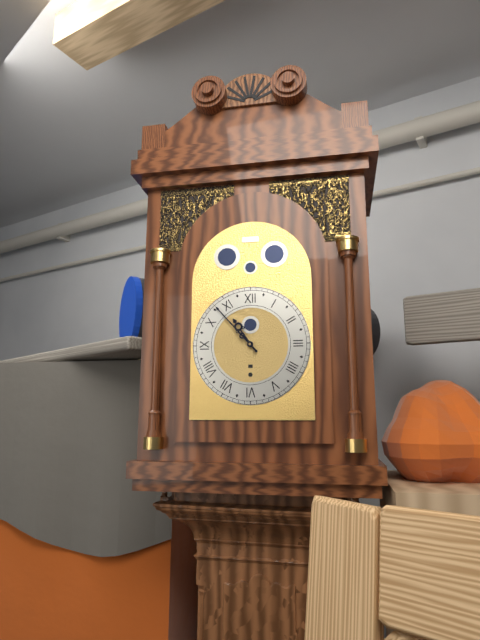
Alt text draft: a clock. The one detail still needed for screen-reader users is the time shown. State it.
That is 10:53
